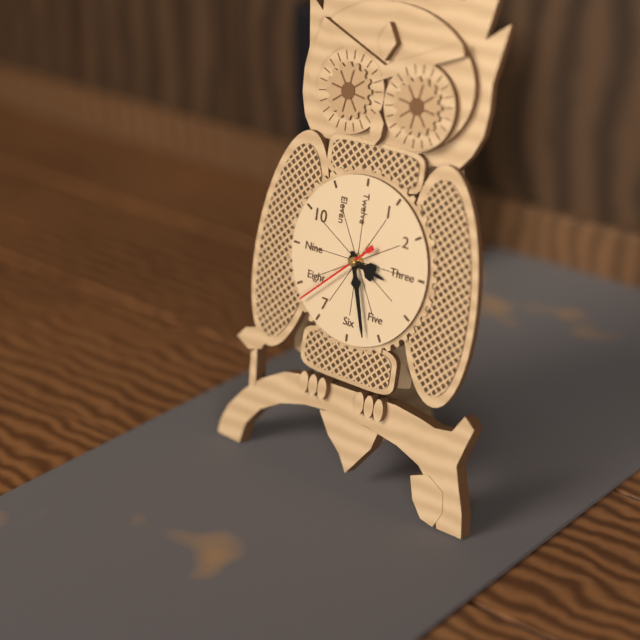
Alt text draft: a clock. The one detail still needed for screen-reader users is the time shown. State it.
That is 3:27:38
